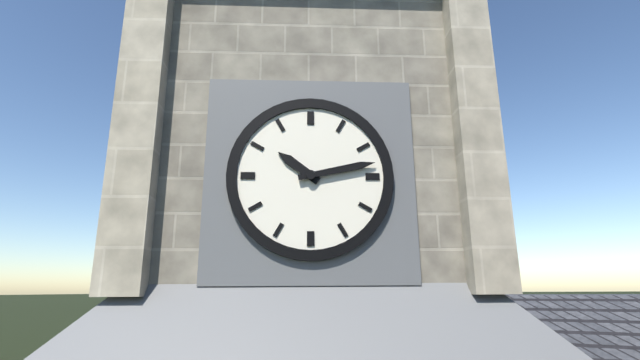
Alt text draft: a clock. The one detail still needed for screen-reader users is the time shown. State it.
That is 10:13
